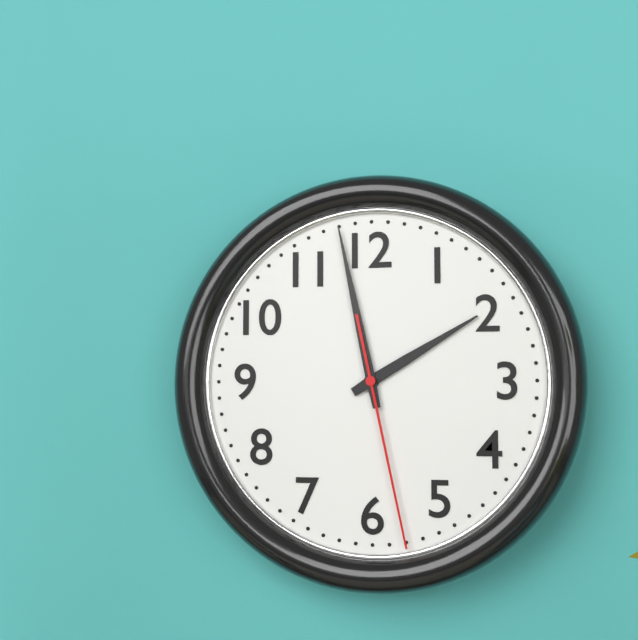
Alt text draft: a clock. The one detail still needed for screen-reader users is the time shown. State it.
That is 1:58:28
